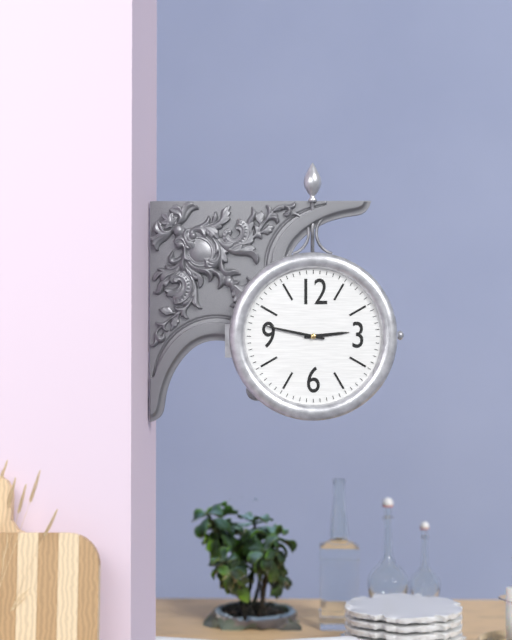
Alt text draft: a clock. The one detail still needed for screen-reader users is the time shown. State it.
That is 2:47
